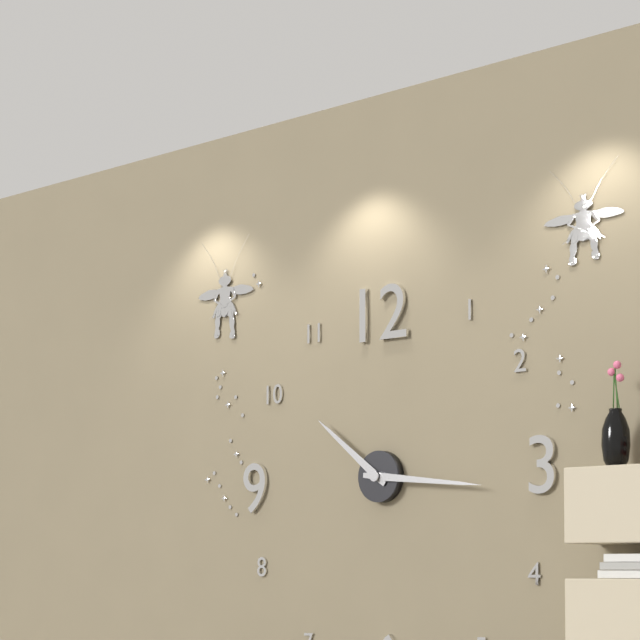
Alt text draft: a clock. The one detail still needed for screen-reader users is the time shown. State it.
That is 10:16
